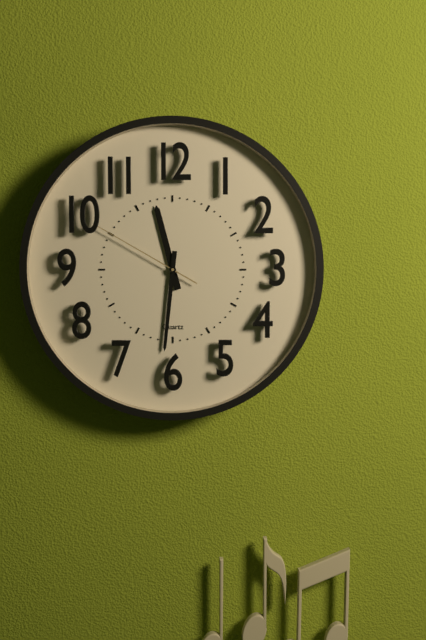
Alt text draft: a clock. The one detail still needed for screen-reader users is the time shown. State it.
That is 11:31:50
